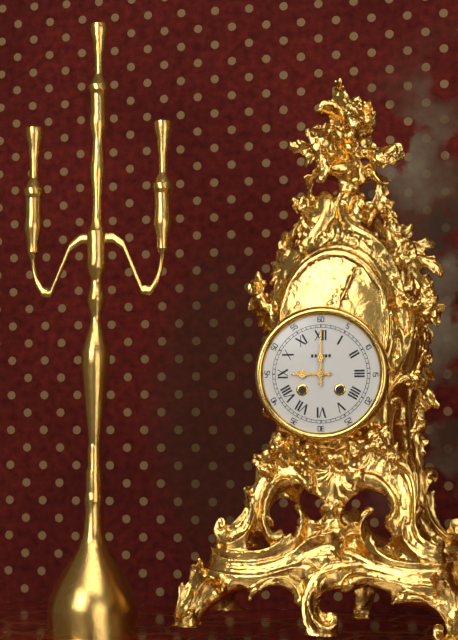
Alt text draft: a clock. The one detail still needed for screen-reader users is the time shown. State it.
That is 9:00
